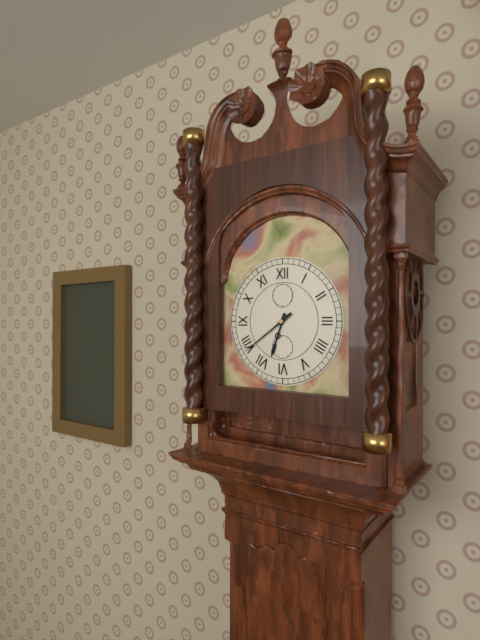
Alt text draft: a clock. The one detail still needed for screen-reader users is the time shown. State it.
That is 6:39
